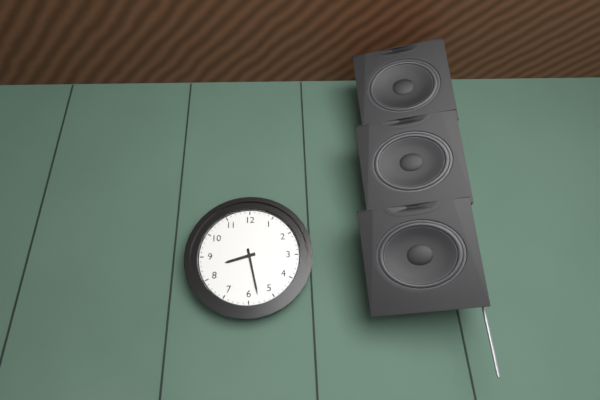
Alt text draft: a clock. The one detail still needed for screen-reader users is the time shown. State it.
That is 8:28
